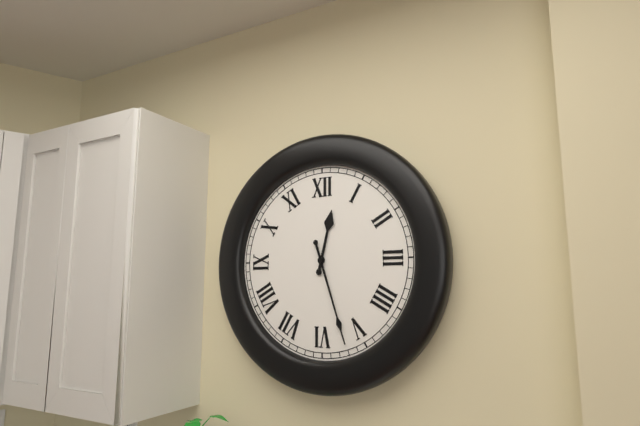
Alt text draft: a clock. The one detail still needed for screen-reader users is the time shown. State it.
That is 12:27
